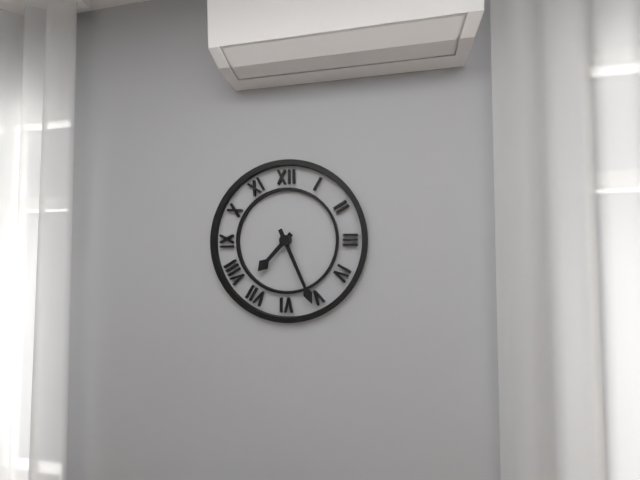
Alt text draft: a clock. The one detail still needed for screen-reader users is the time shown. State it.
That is 7:26
